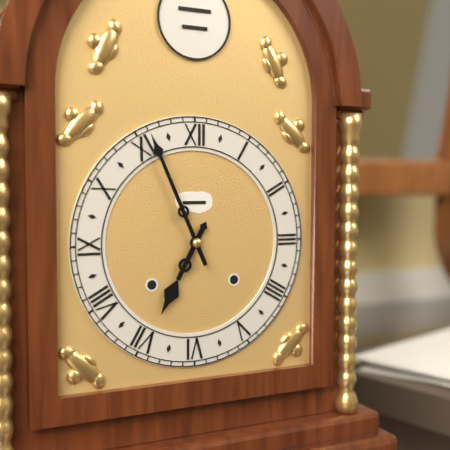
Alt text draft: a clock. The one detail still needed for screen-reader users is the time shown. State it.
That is 6:56
